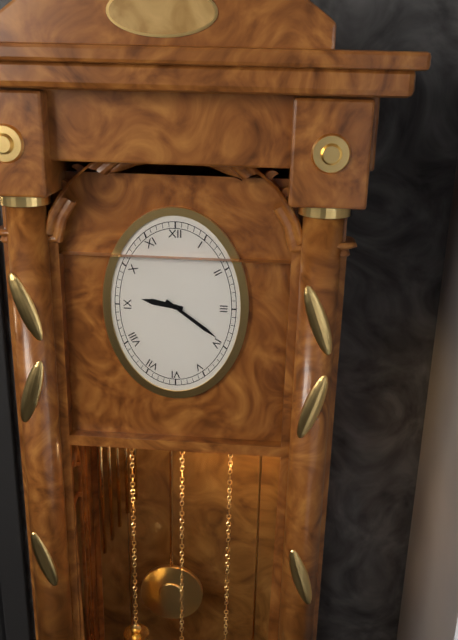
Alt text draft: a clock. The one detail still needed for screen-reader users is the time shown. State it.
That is 9:21
